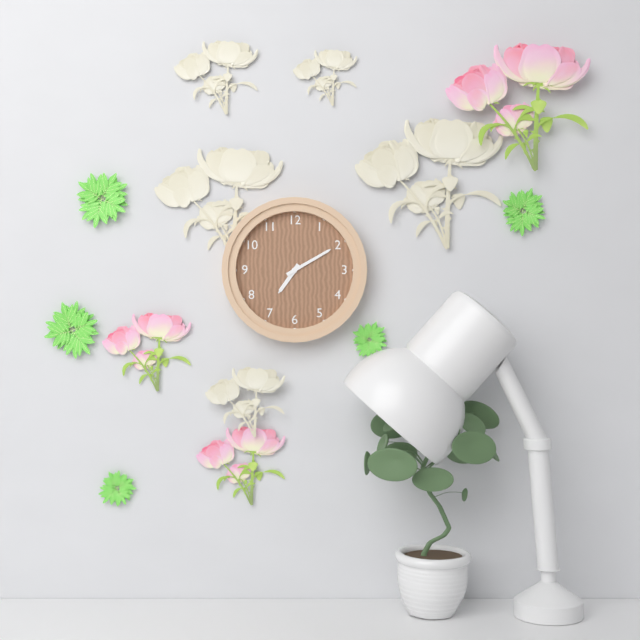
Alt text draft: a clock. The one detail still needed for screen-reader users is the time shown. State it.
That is 7:10
